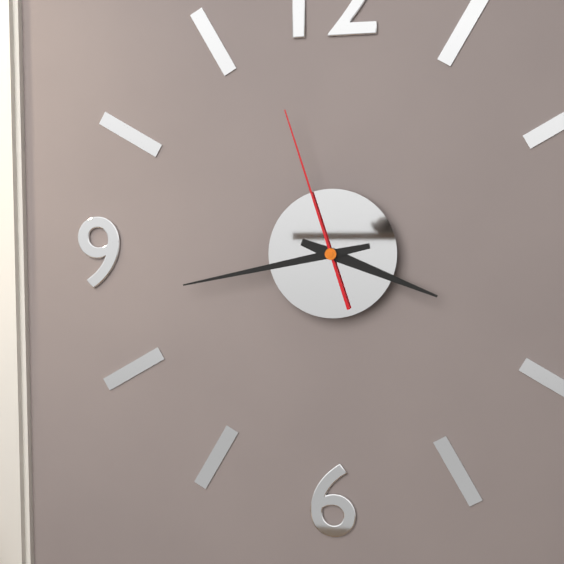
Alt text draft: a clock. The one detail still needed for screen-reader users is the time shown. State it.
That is 3:43:57
